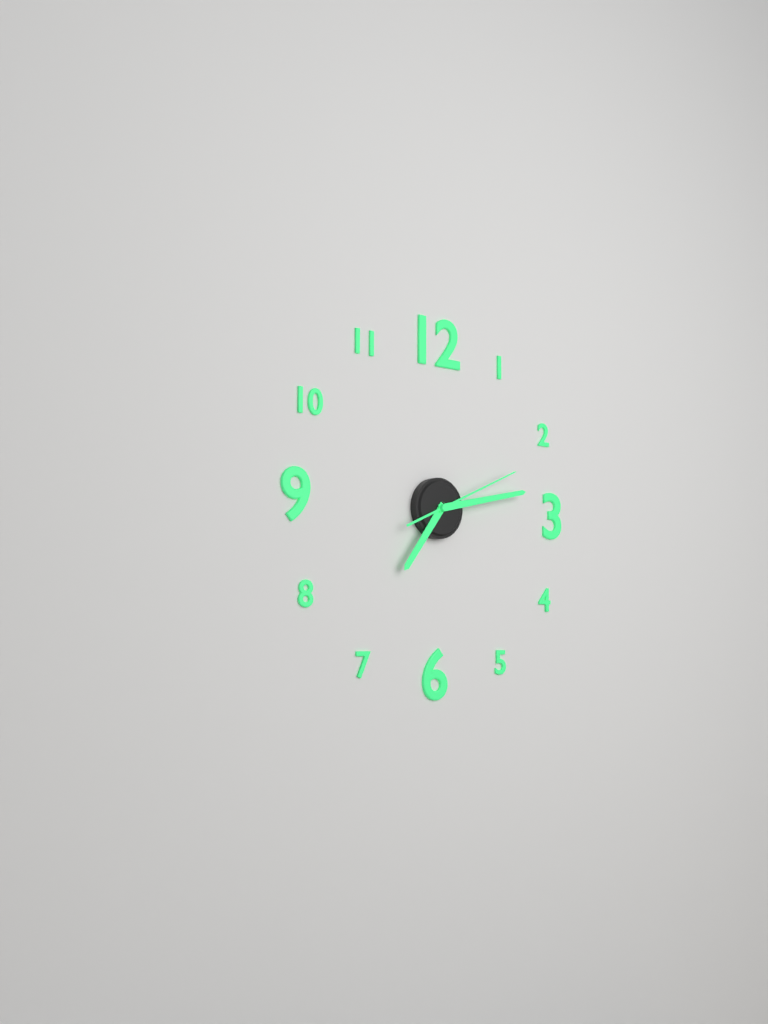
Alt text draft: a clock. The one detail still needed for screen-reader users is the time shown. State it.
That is 7:13:11
